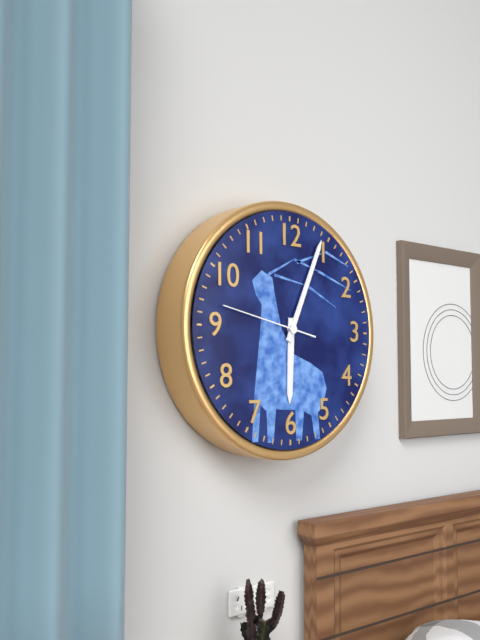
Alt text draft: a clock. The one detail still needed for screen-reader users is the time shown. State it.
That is 6:04:47
